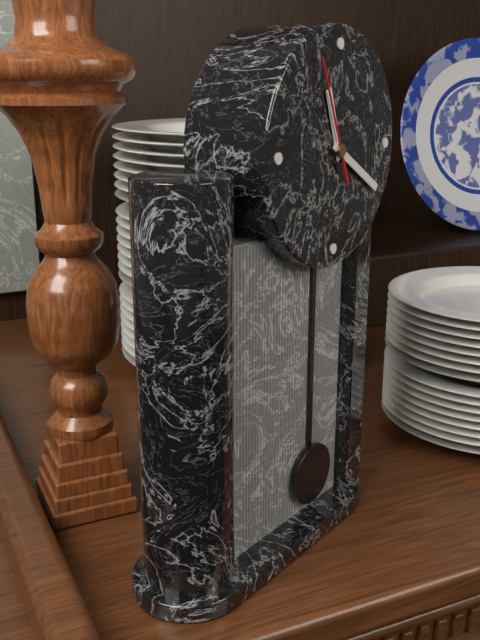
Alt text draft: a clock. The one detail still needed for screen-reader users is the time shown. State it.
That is 11:20:56
